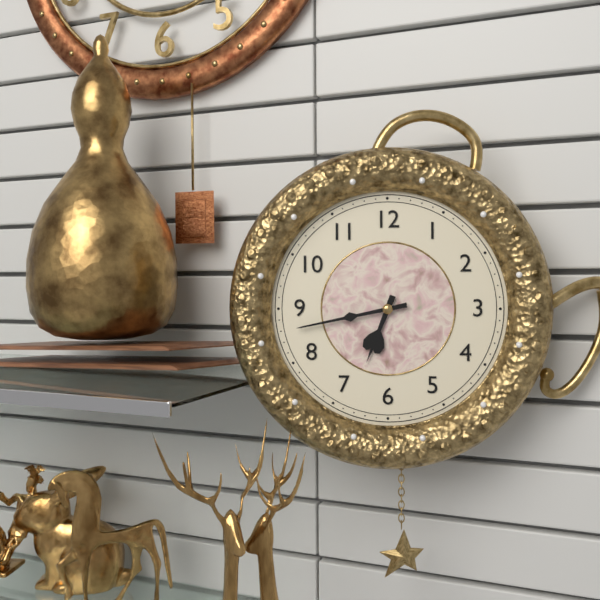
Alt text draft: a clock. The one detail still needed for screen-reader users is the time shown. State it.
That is 6:43
